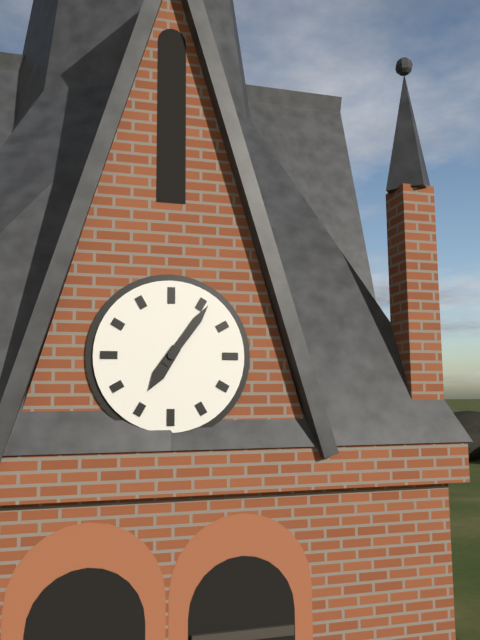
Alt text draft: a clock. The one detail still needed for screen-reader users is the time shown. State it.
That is 7:06
